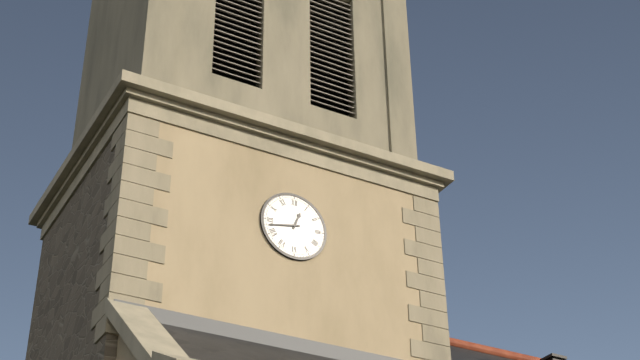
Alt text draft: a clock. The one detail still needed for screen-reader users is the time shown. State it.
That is 12:43
